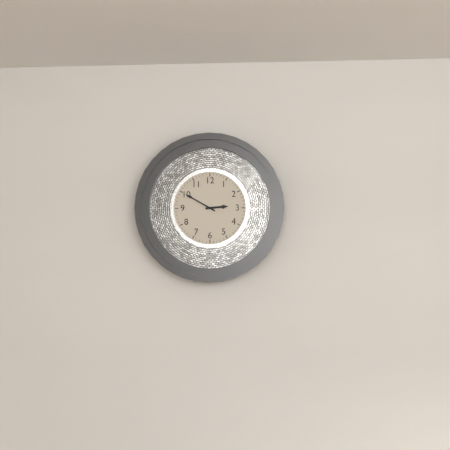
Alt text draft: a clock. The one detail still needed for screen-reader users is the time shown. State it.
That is 2:50
